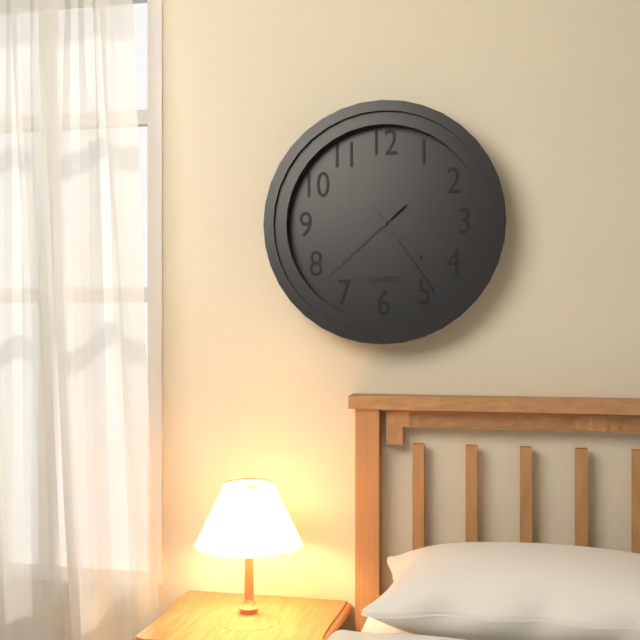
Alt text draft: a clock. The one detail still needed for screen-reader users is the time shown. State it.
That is 4:24:38
